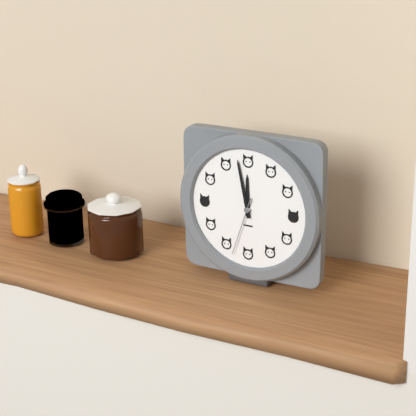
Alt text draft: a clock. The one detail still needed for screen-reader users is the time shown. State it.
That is 11:58:33
